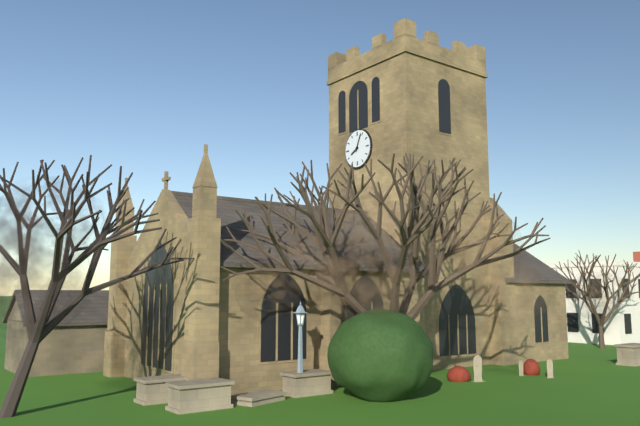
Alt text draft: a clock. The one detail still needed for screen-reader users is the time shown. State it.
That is 8:04
